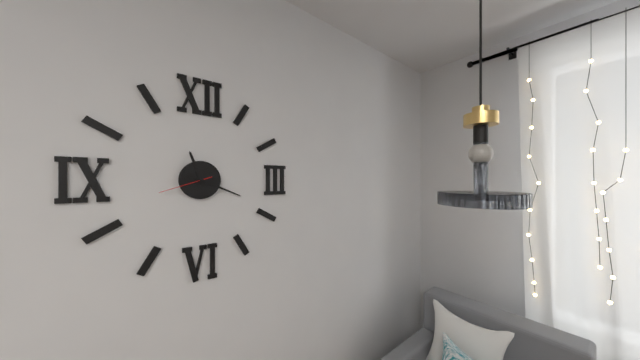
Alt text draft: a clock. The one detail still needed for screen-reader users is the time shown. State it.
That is 11:19:42
